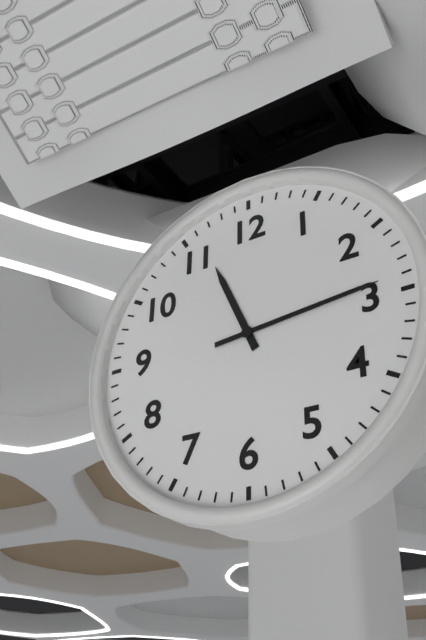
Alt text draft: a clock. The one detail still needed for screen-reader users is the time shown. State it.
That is 11:14
